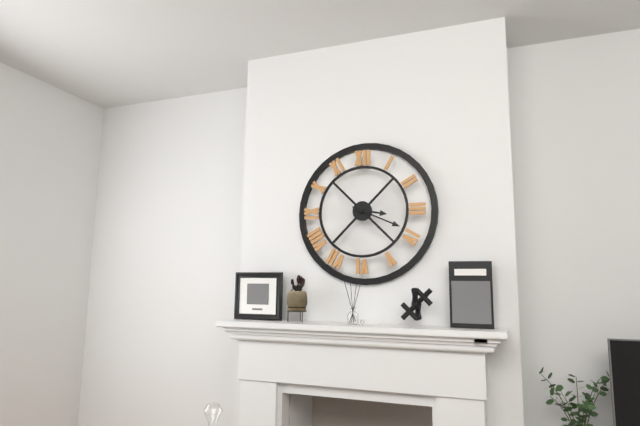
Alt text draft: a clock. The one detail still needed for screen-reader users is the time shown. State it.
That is 3:19
